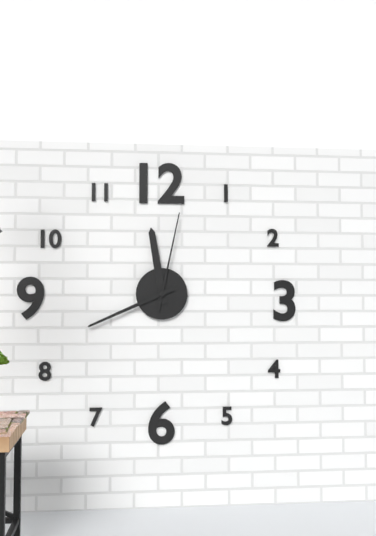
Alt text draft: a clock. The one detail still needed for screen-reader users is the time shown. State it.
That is 11:41:02
